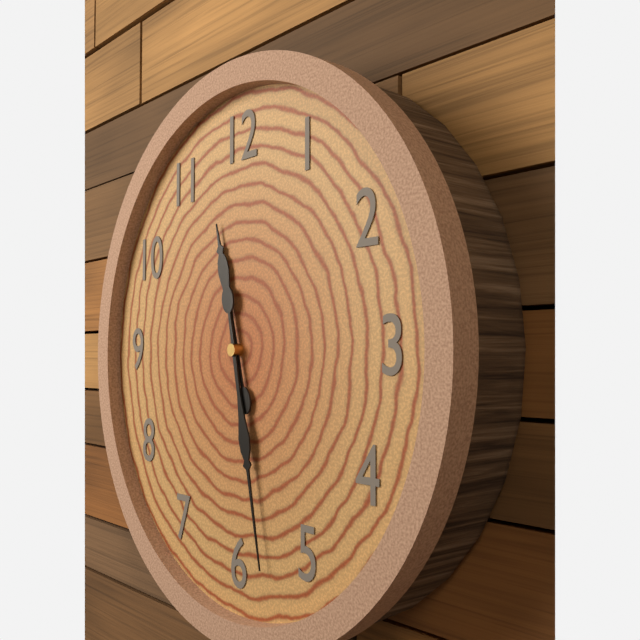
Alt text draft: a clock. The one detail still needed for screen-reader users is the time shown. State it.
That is 11:28
